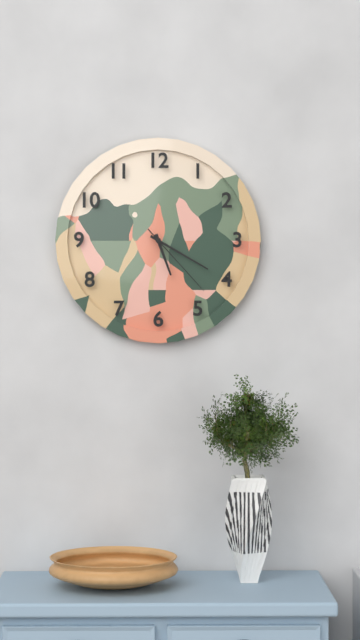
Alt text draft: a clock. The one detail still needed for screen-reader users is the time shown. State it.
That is 5:20:23
